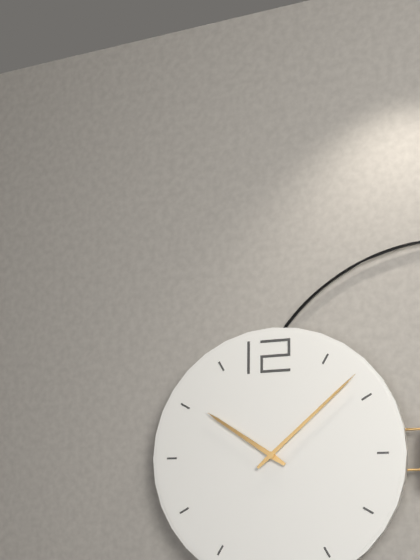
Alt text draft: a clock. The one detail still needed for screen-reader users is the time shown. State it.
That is 10:08
